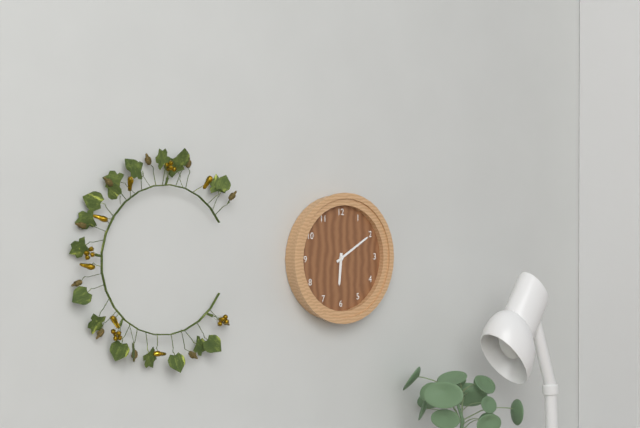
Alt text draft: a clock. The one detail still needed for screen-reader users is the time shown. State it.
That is 6:10
